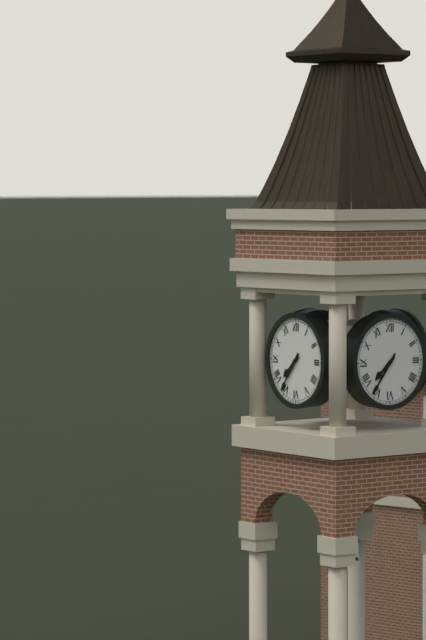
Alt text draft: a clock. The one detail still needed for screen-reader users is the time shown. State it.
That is 7:36
